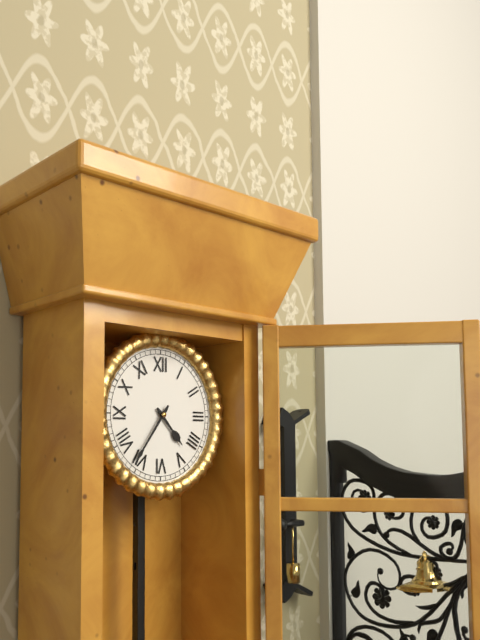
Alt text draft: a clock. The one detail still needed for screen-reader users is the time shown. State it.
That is 4:36
